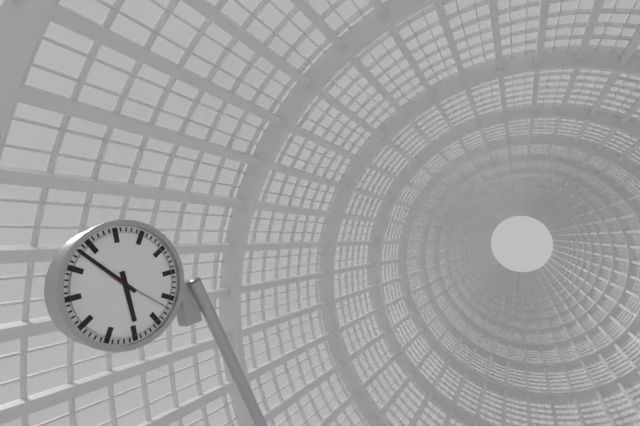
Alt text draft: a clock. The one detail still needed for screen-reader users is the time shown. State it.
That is 5:53:22
